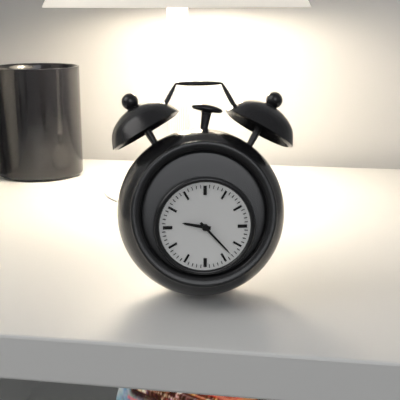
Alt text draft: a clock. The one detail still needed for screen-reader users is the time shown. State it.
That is 9:23
